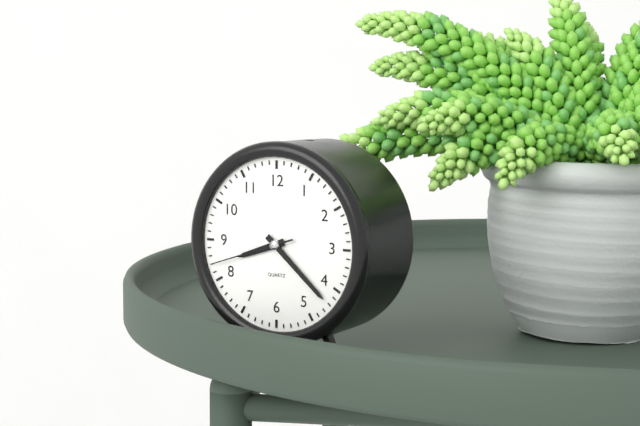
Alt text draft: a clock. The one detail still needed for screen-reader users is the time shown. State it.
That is 8:22:42
